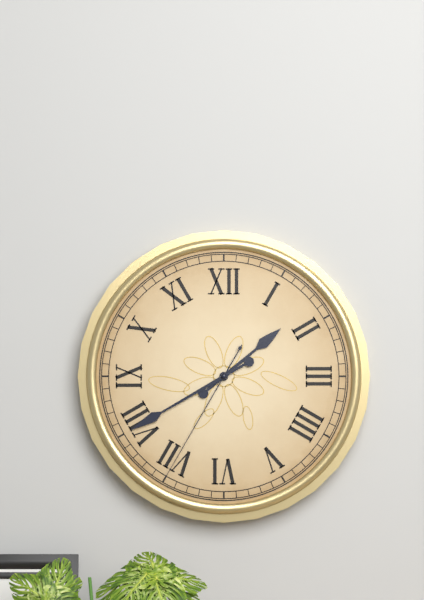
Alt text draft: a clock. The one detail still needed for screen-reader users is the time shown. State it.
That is 1:40:35
